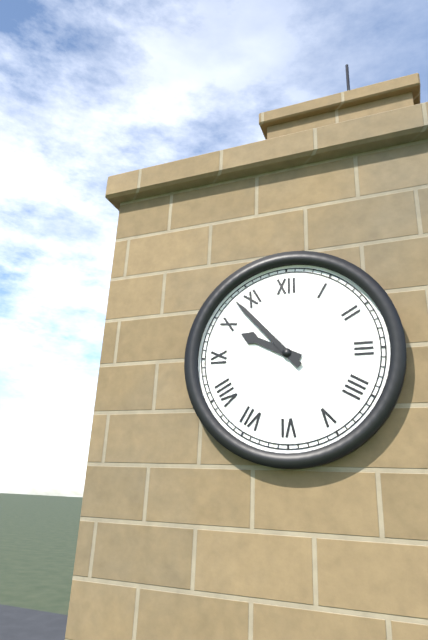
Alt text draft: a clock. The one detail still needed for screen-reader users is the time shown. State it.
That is 9:53
